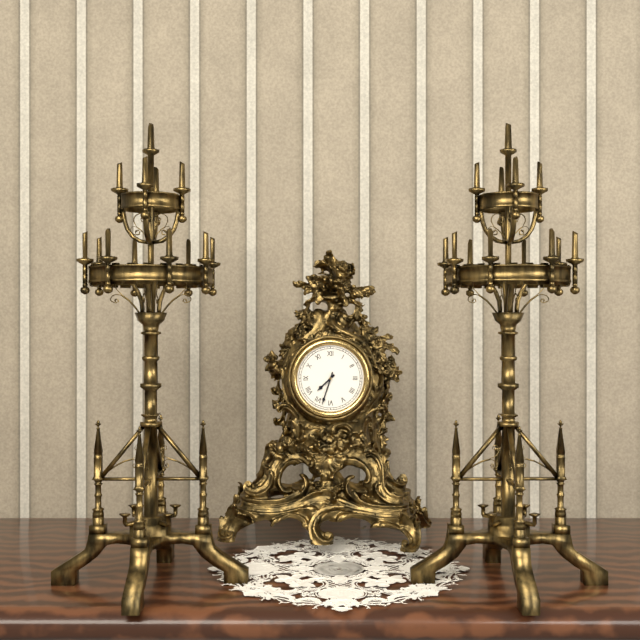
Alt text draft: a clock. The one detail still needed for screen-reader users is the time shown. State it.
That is 7:33
